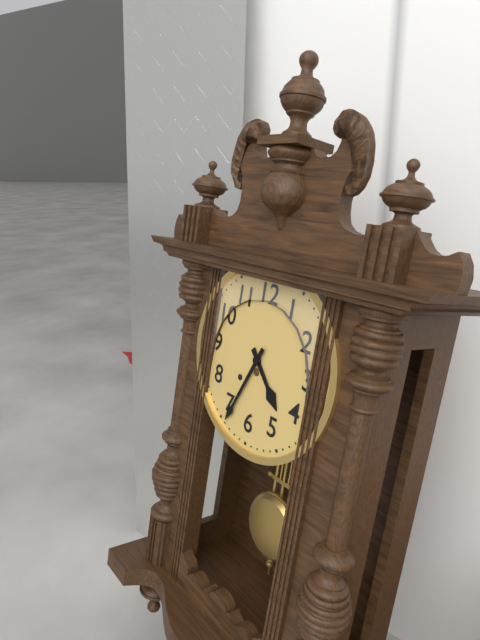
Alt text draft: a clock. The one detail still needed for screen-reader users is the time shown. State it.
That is 4:34
